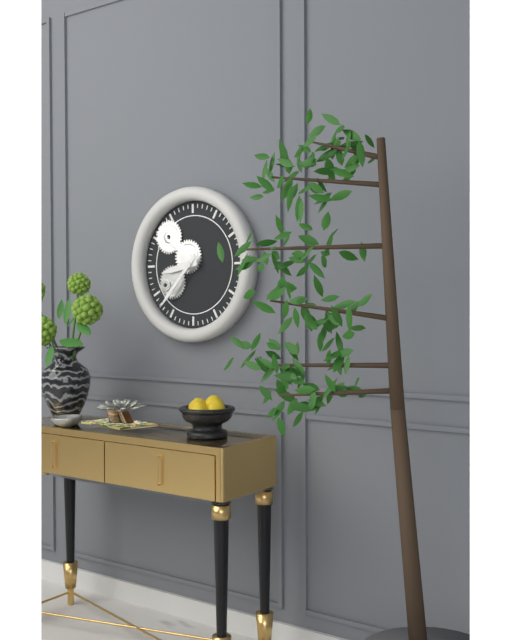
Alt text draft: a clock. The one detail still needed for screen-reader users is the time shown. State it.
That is 8:37
